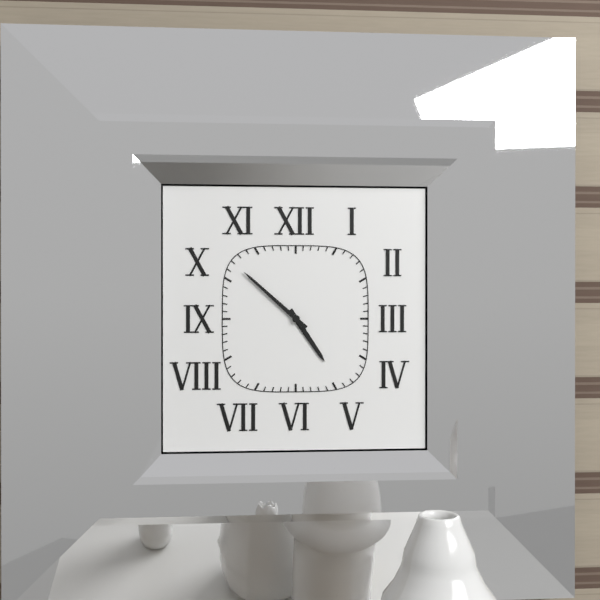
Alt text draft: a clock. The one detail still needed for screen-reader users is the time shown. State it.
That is 4:52
